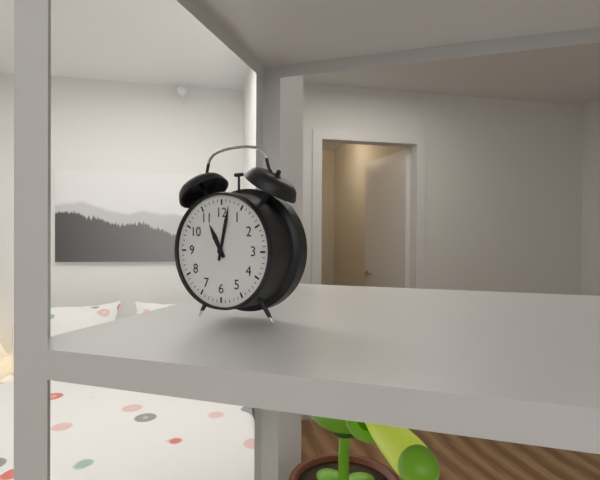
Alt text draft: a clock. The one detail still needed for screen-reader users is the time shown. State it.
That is 11:02
